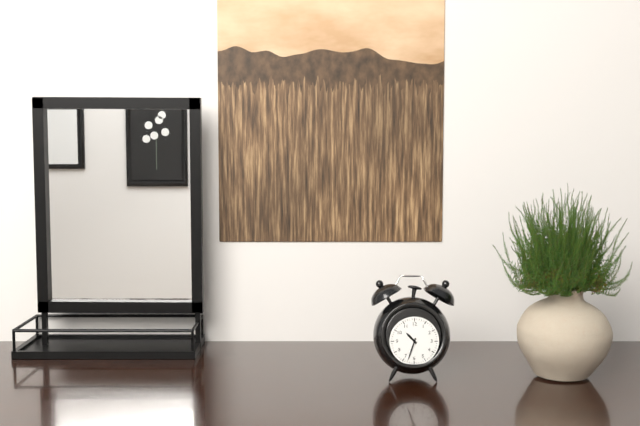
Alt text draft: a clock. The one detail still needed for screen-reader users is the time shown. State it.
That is 10:33
